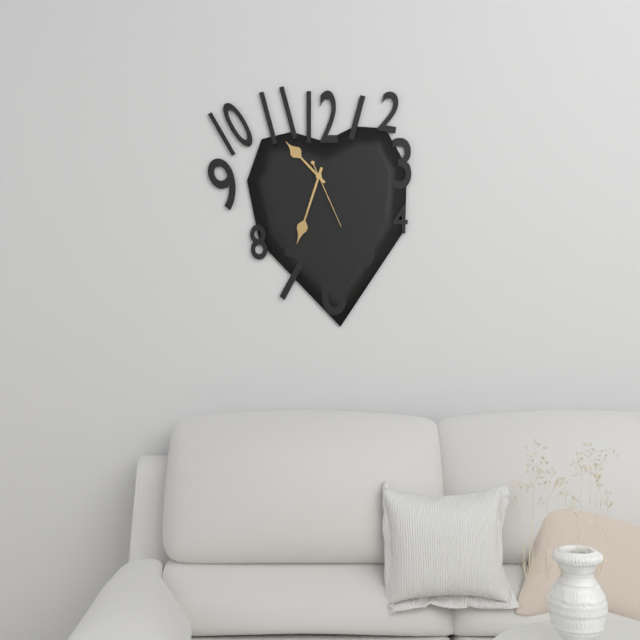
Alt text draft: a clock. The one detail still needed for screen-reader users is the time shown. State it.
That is 10:33:26
